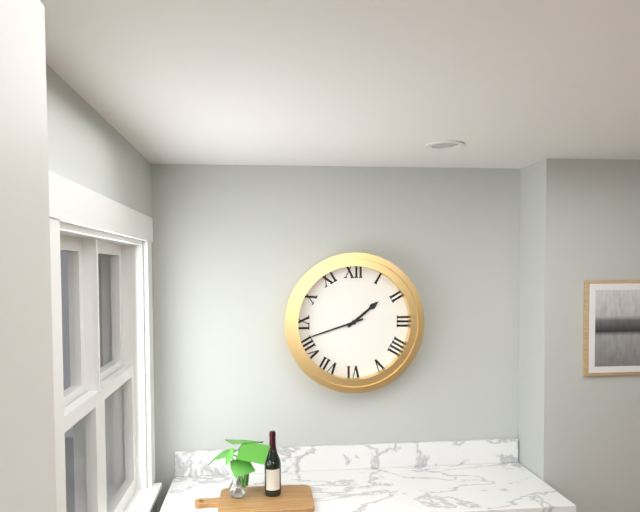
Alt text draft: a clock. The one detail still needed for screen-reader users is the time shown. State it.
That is 1:42
